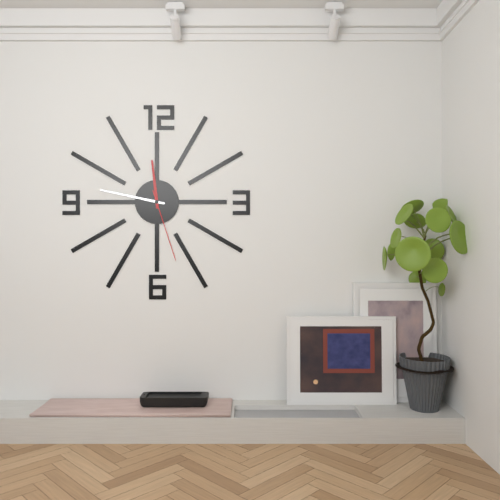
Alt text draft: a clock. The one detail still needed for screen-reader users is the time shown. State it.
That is 11:47:27
